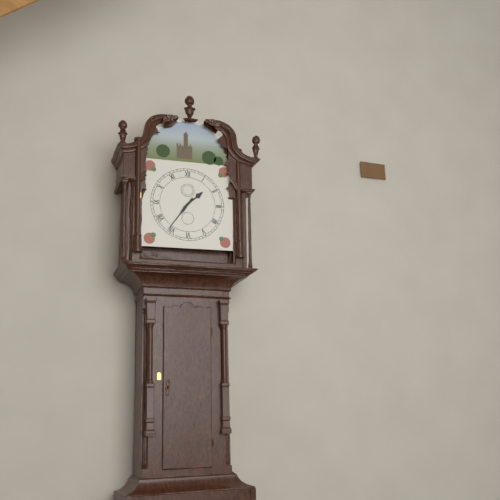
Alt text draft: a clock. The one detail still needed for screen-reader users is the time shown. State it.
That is 1:36
